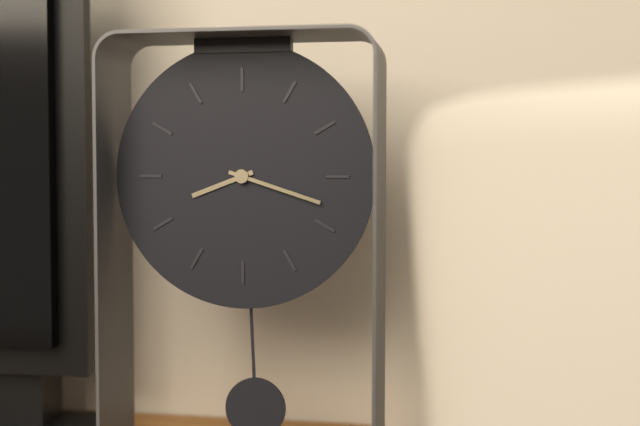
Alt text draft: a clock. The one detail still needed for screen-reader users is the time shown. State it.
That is 8:18
